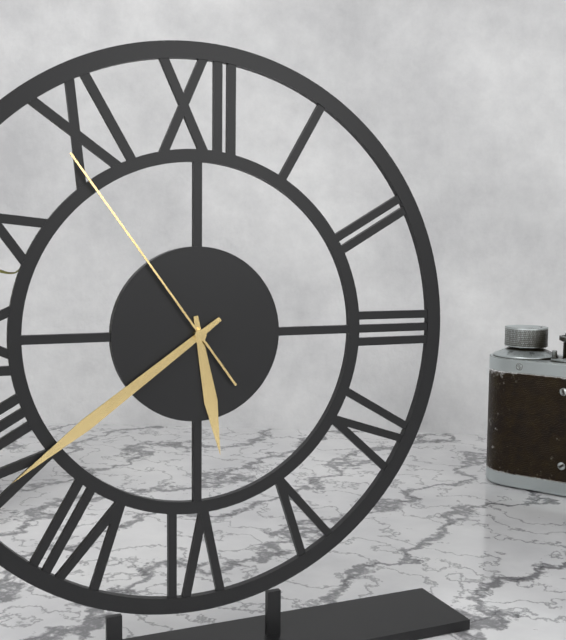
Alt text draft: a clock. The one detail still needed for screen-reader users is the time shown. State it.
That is 5:39:54
